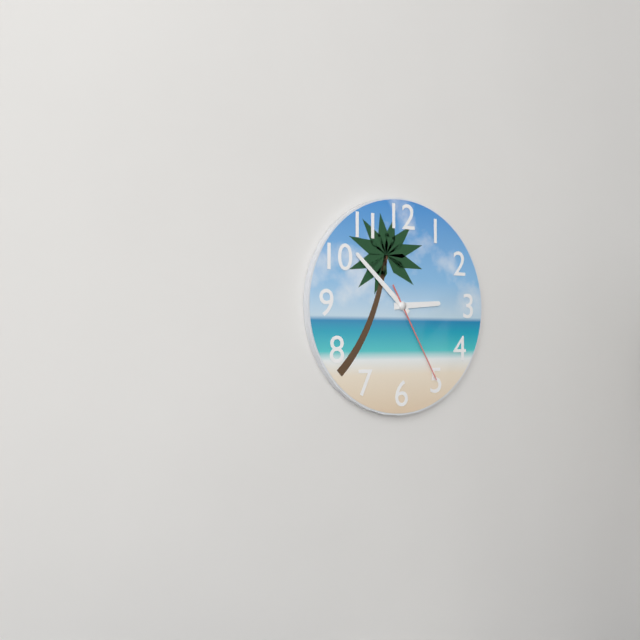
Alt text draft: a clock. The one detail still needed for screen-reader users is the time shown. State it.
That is 2:52:25
